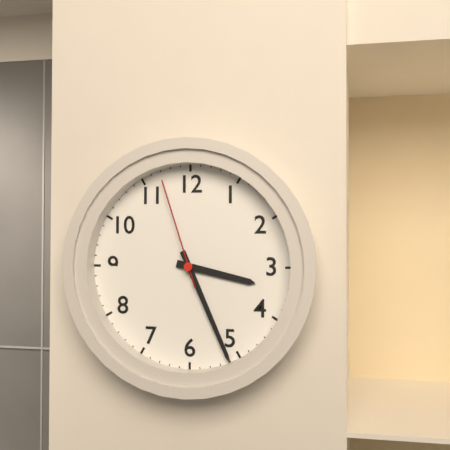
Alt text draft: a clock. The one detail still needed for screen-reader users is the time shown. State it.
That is 3:26:57
